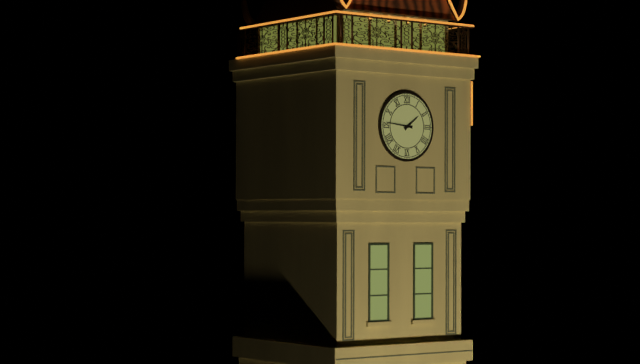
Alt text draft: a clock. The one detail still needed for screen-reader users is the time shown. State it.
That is 1:46
